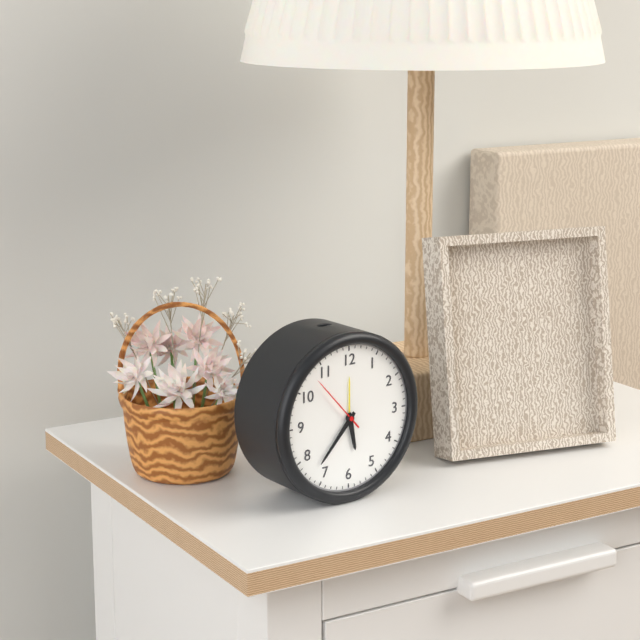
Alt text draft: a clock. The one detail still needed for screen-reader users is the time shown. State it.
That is 5:37:53
